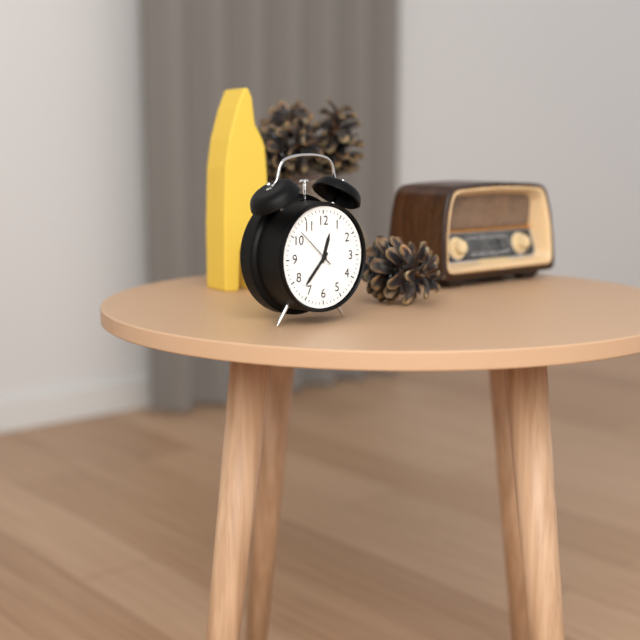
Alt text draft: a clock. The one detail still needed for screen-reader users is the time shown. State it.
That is 12:37
